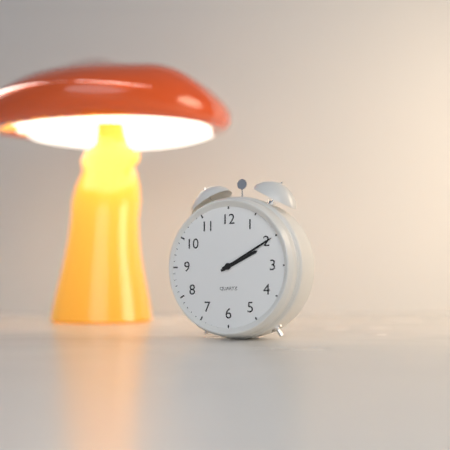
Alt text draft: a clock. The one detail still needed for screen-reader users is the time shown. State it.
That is 2:10
